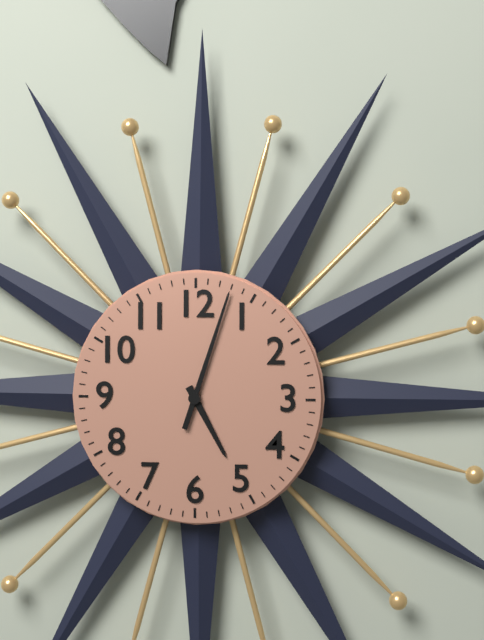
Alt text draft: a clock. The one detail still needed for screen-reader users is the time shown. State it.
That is 5:03
